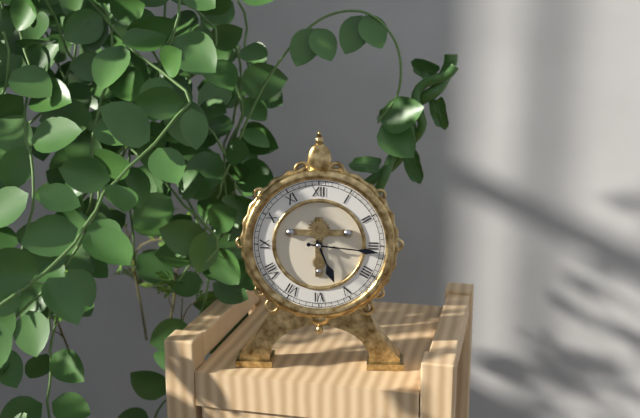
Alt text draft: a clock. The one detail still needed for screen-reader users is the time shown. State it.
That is 5:16
